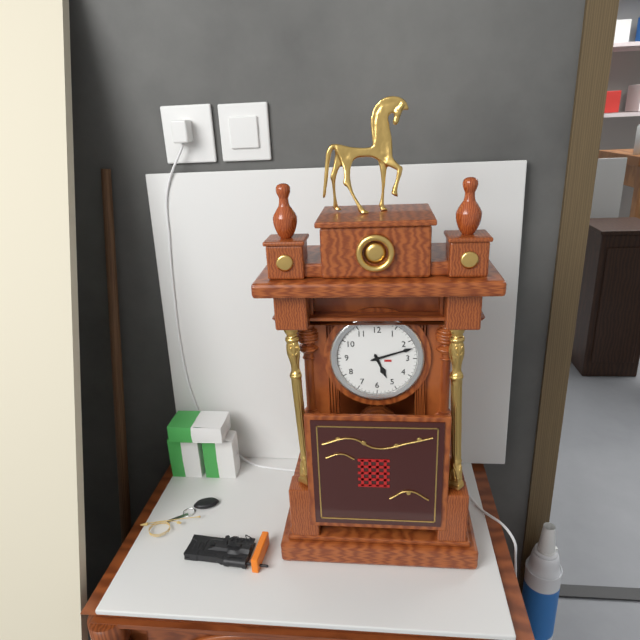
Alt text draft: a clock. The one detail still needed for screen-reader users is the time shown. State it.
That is 5:12
